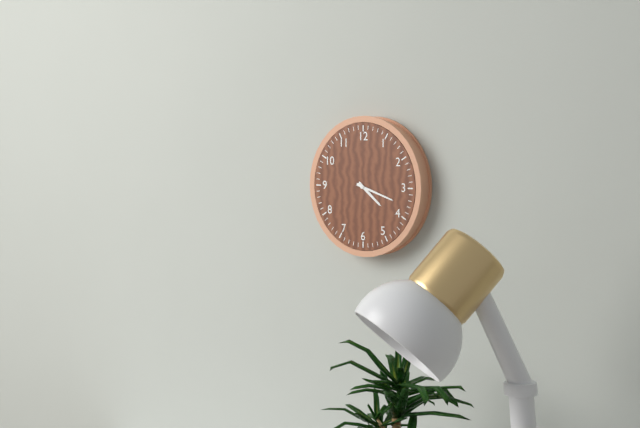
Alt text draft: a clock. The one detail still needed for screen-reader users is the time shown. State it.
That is 4:18
